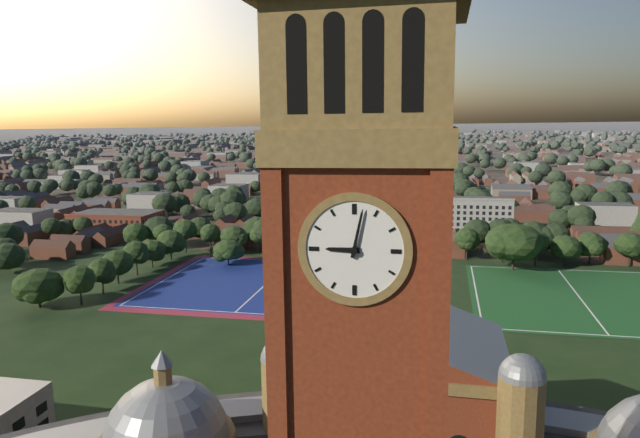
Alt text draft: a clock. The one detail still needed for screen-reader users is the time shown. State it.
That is 9:02
